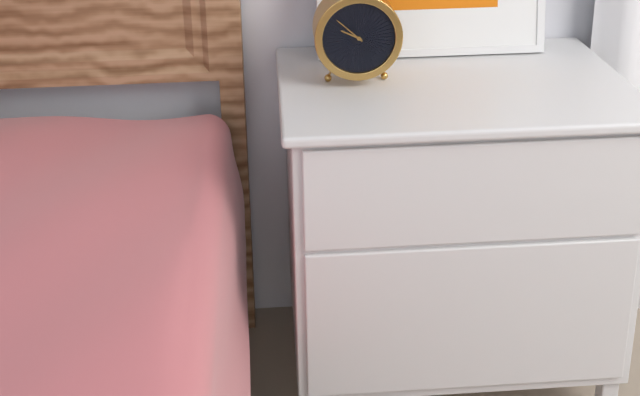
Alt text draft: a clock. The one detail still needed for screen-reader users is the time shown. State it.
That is 9:52
